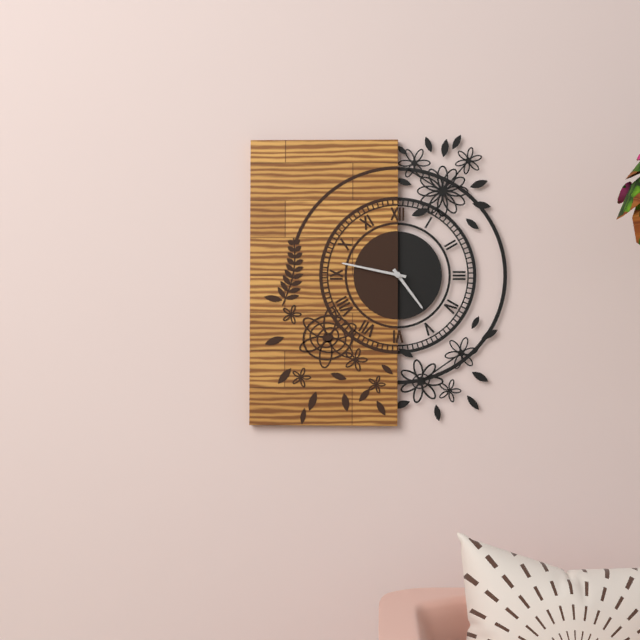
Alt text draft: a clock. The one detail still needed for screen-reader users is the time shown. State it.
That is 4:47
